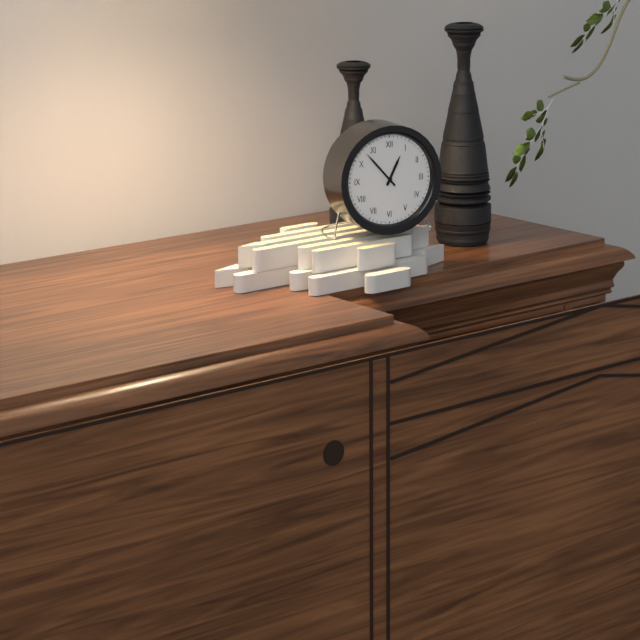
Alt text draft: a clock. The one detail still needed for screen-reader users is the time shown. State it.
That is 12:53
